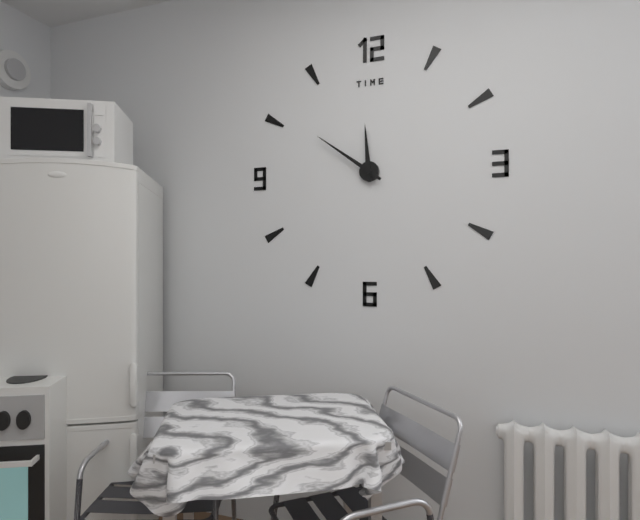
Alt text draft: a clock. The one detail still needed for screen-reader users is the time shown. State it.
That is 11:51
